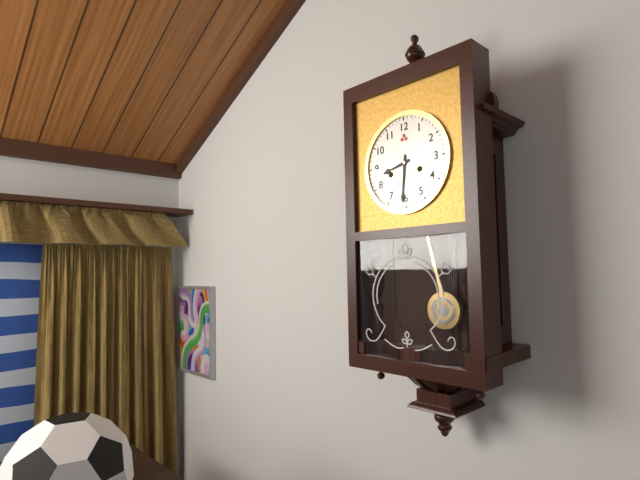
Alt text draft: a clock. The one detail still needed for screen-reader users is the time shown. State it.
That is 8:31
